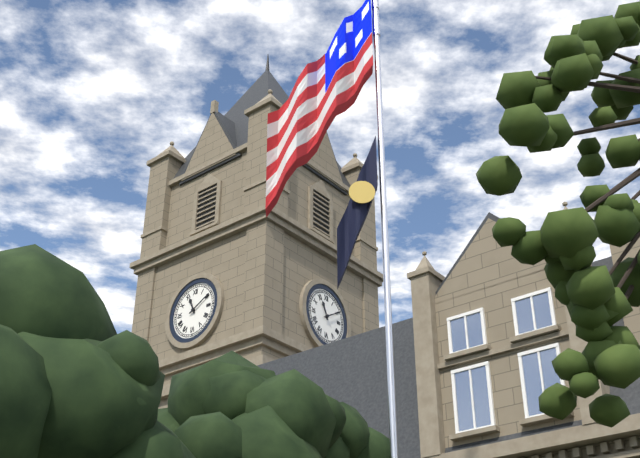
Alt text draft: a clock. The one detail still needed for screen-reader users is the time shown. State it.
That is 11:10
